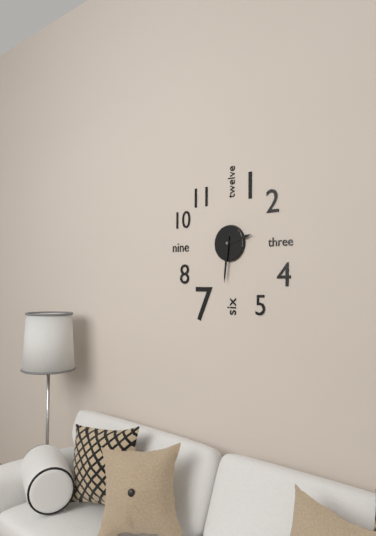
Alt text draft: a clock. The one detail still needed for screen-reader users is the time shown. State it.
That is 2:31
